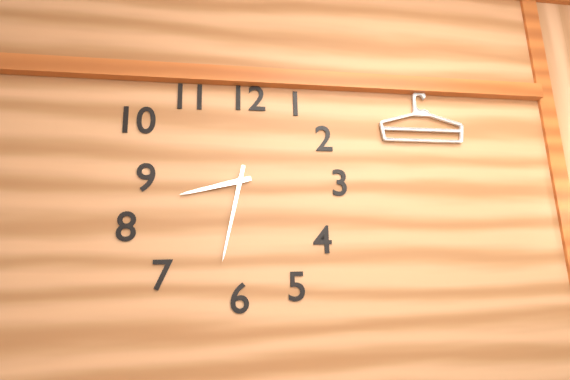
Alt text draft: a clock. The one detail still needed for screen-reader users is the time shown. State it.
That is 8:32
